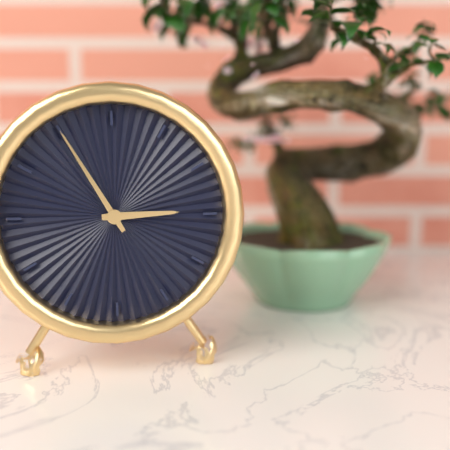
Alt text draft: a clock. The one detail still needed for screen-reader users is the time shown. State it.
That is 2:55
